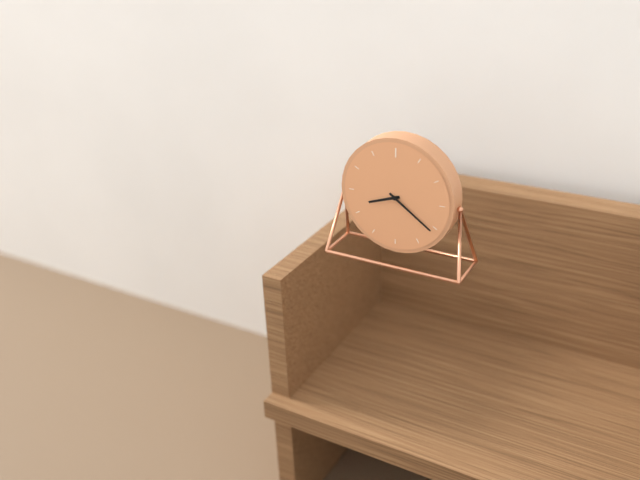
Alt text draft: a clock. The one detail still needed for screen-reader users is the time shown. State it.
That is 8:21
